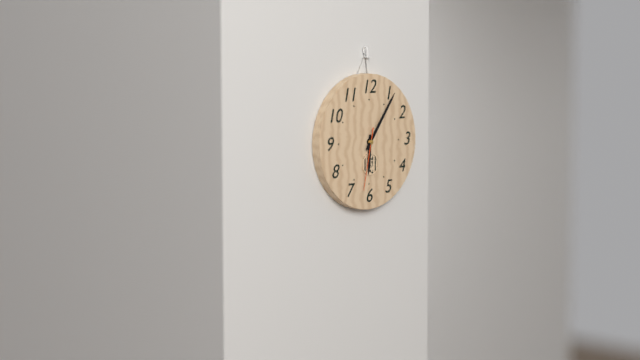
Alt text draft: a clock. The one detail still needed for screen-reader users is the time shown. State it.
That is 6:06:32
